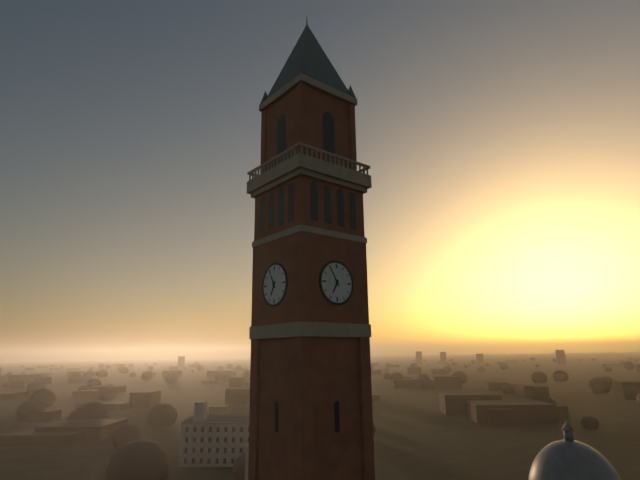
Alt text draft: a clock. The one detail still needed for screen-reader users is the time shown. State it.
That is 6:55
